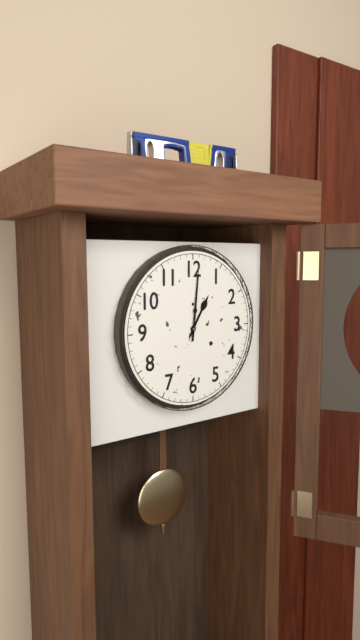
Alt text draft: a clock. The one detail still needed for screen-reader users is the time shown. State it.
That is 1:01
